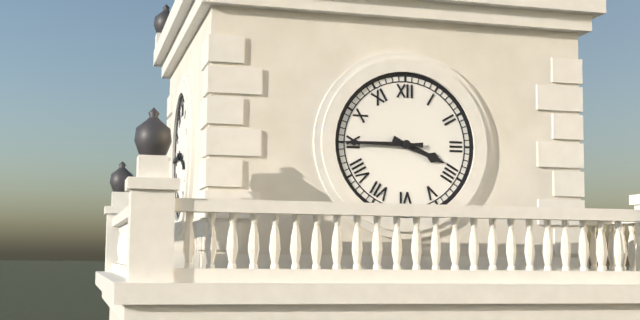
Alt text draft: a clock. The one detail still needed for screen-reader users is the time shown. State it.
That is 3:45
